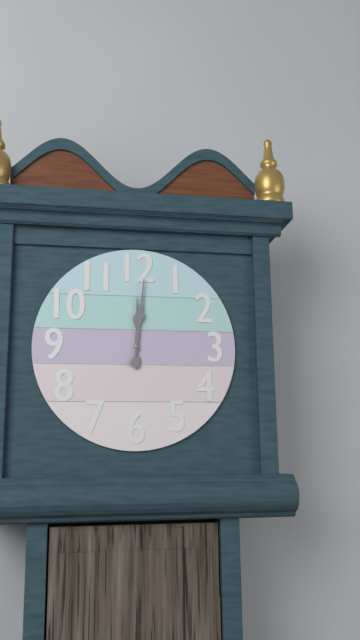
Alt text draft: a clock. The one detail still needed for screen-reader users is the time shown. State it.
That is 12:01
